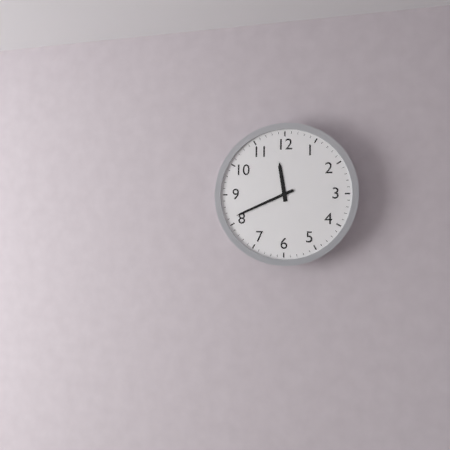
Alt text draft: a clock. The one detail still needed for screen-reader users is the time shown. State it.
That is 11:41
